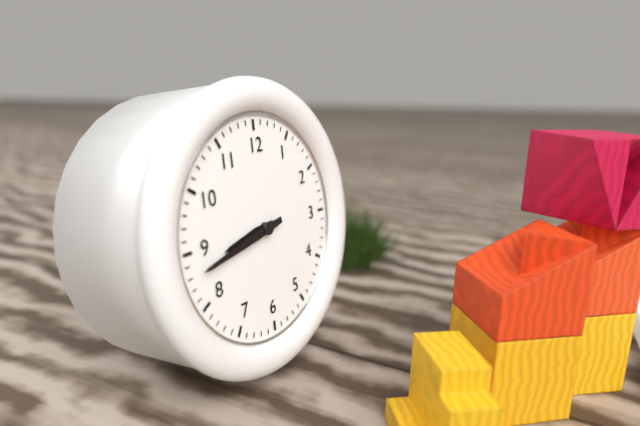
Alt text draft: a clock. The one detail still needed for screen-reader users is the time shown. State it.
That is 8:43
